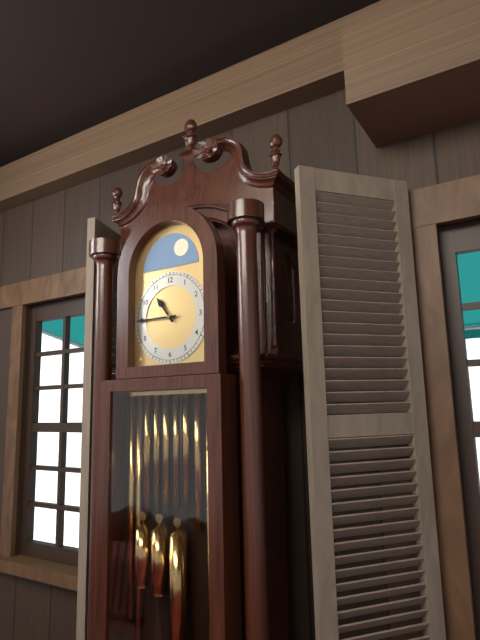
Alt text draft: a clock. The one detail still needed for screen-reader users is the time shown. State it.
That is 10:45
